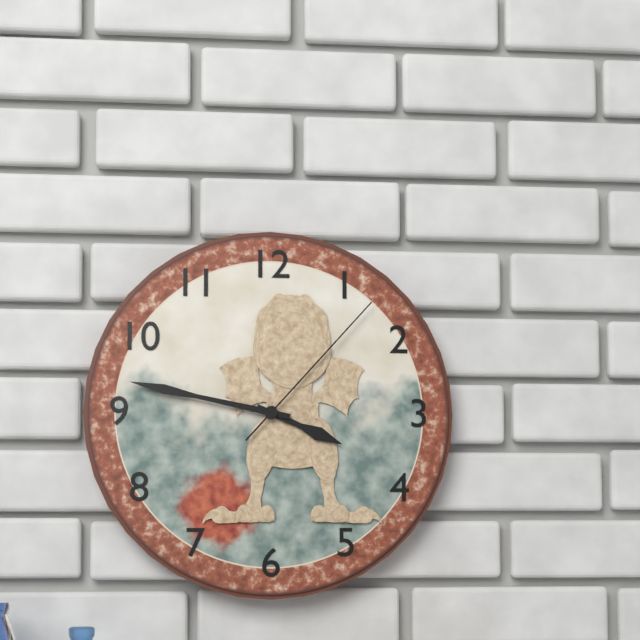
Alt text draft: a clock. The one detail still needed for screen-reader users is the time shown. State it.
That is 3:47:07
